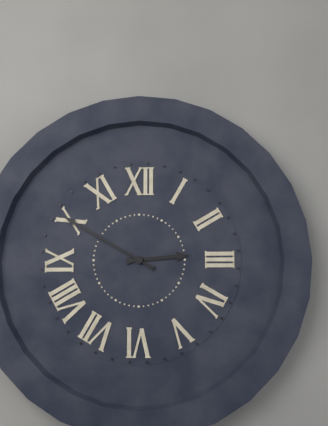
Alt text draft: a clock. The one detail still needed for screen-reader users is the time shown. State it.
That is 2:50
